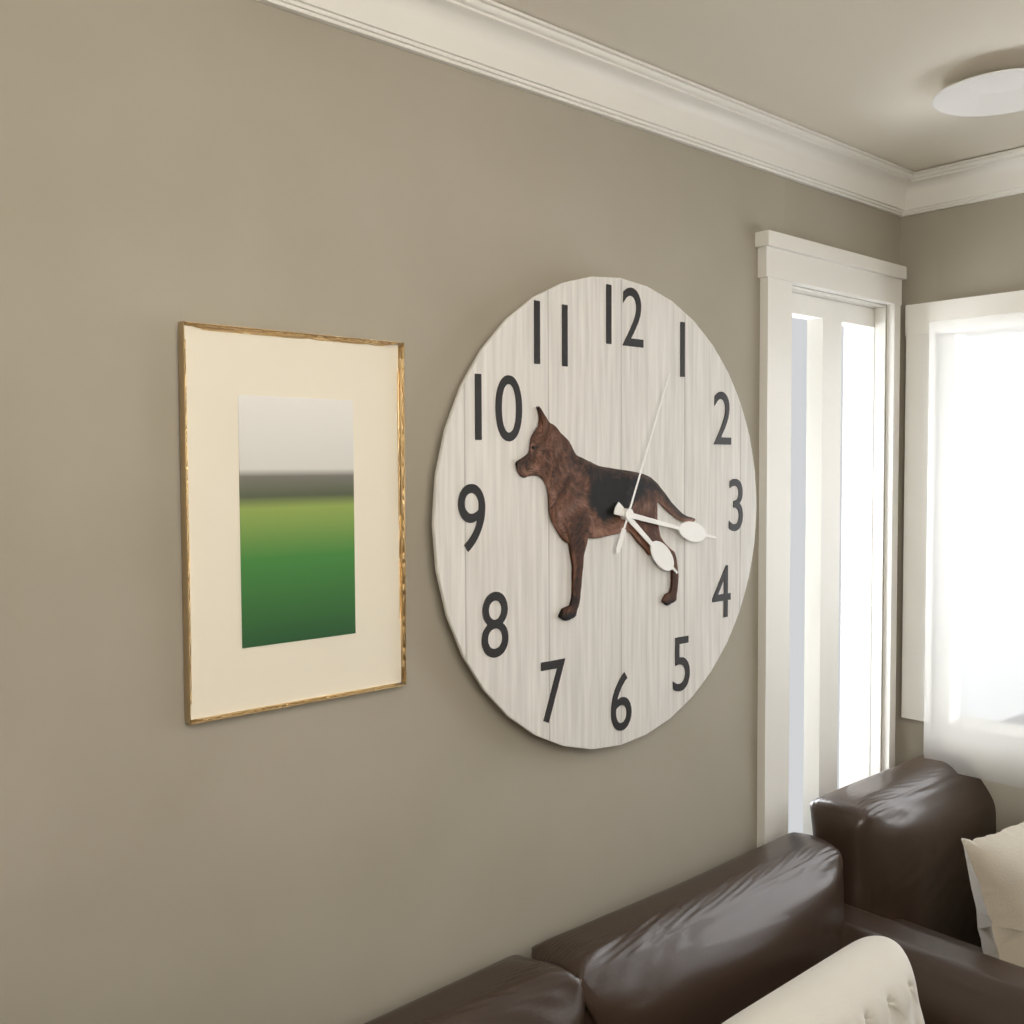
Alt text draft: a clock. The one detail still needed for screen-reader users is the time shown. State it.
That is 4:17:04
